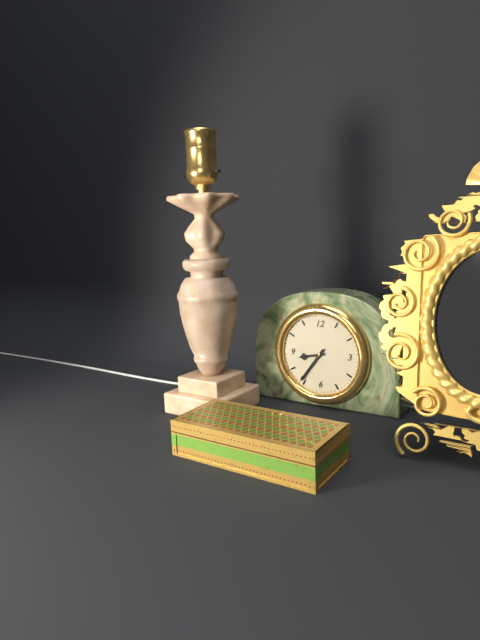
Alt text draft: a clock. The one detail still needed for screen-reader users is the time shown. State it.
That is 8:36
